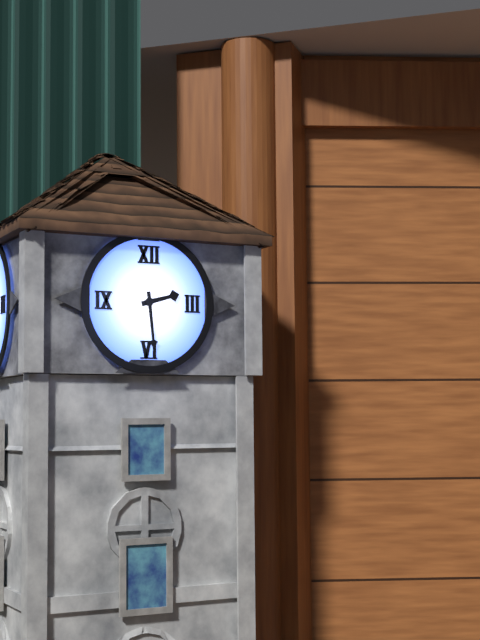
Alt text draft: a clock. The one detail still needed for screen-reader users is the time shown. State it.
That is 2:29
